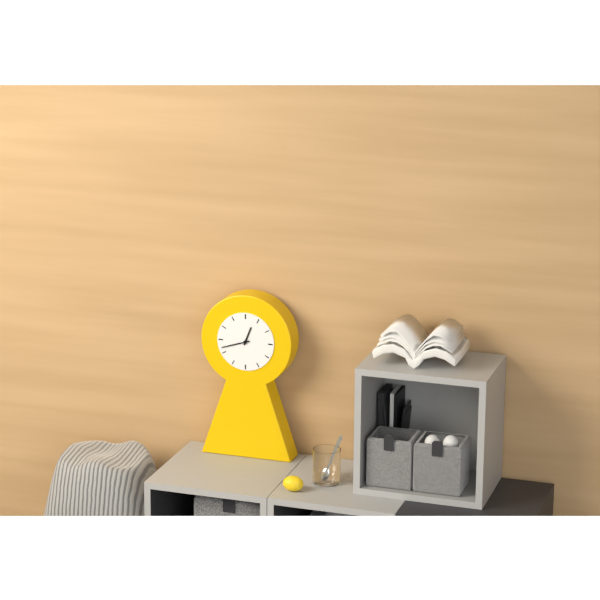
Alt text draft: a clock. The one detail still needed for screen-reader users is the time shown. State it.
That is 12:42
